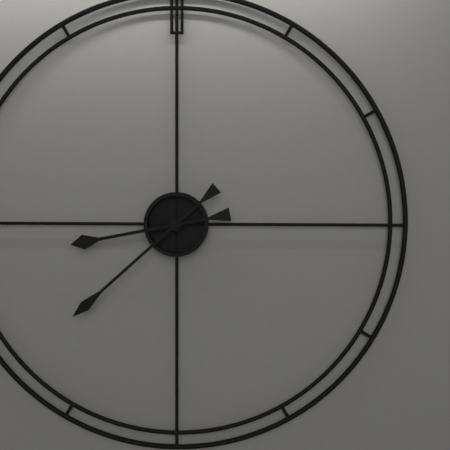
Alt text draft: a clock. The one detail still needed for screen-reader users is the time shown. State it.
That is 8:38
